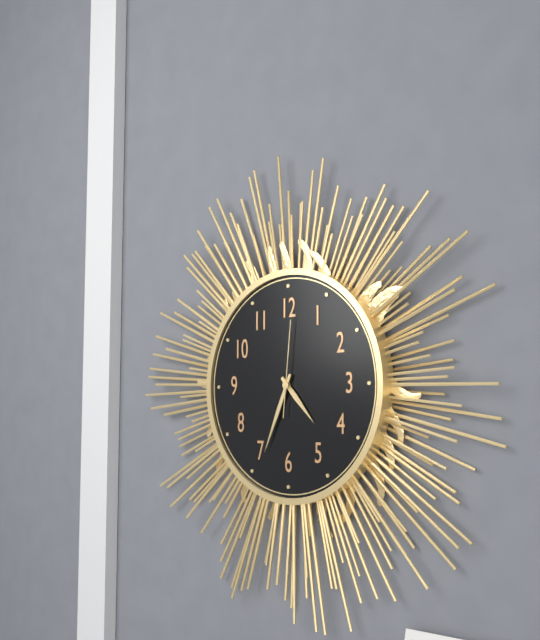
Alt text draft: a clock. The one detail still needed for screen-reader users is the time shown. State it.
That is 4:34:01
